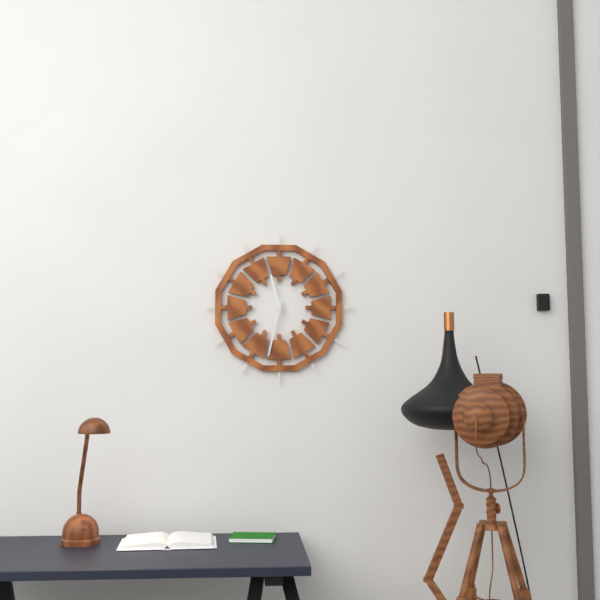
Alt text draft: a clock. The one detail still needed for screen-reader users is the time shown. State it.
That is 11:32
